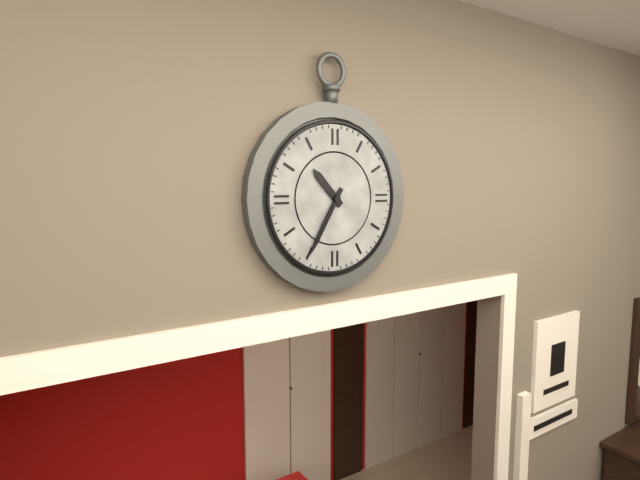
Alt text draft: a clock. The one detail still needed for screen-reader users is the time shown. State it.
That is 10:35
